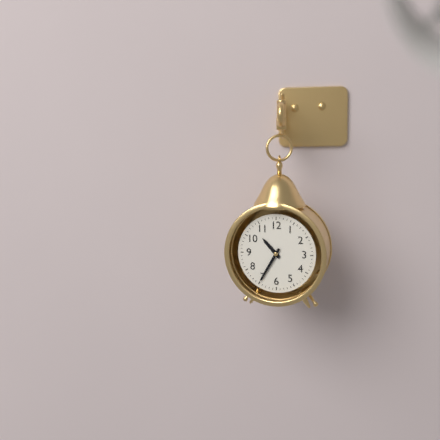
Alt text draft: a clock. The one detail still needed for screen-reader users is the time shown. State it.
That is 10:35
